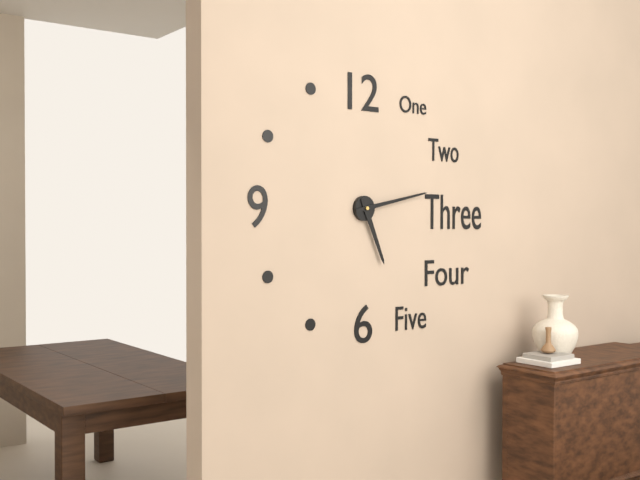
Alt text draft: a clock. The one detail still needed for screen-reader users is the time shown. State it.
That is 5:13
